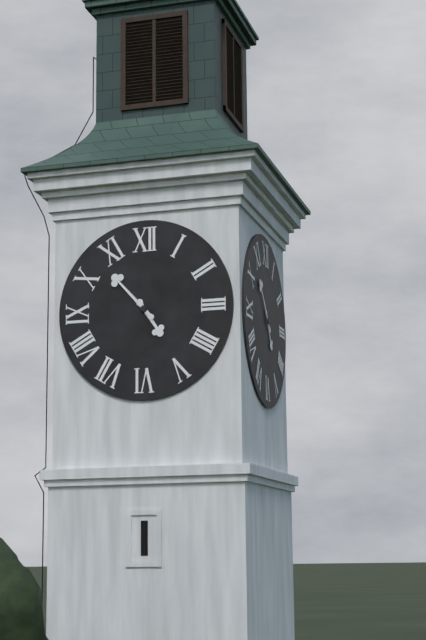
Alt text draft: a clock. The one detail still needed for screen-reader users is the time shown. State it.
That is 4:53
